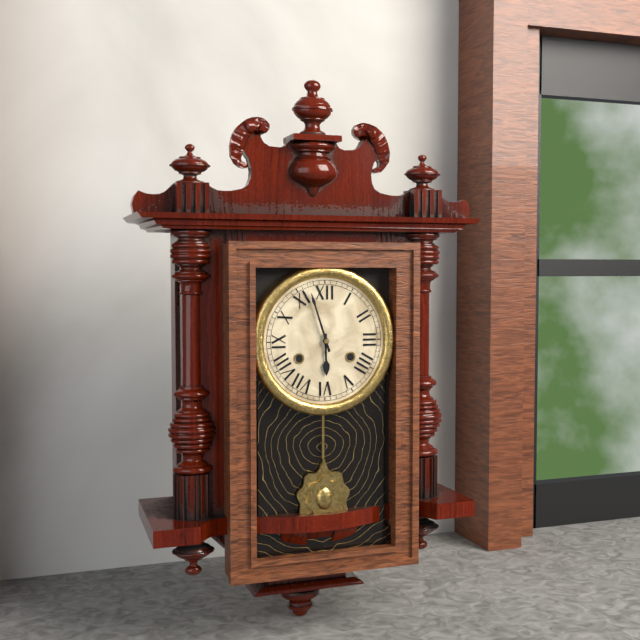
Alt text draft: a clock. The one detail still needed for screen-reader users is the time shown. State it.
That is 5:57
